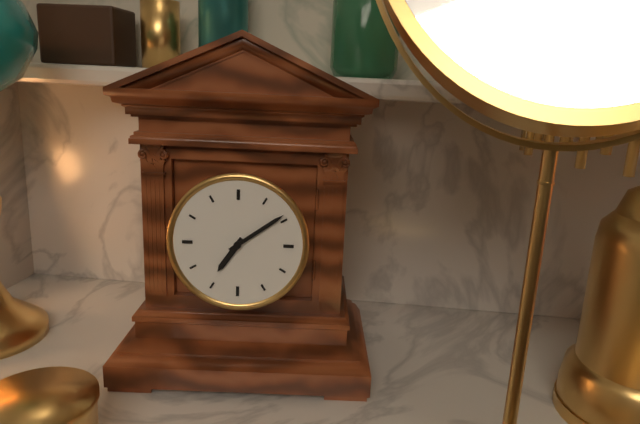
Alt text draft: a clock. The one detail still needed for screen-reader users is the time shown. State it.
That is 7:09
